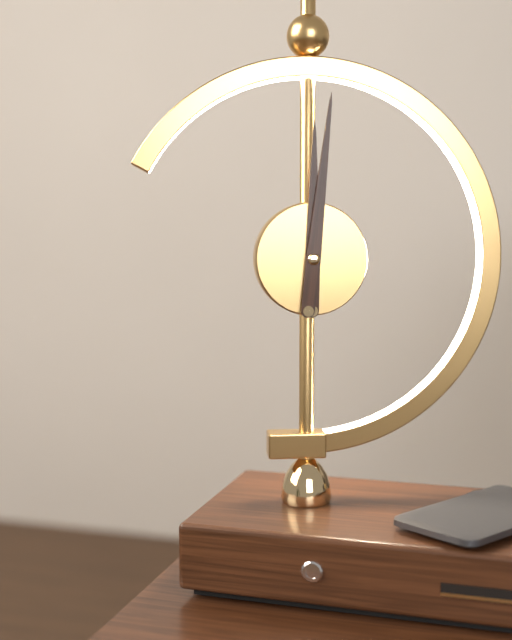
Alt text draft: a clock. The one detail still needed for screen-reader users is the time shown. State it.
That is 12:01
